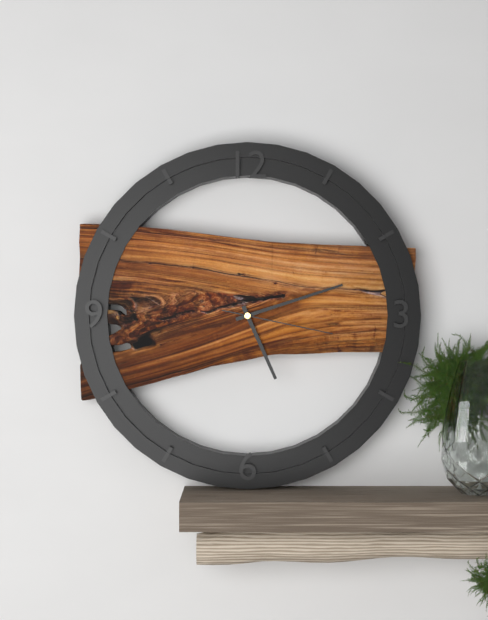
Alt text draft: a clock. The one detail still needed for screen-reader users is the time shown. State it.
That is 5:12:17
